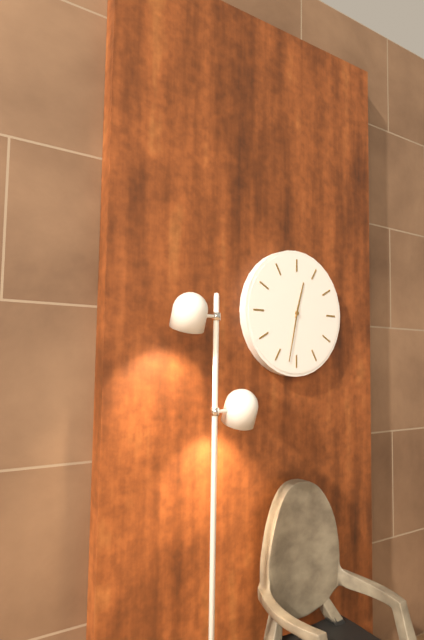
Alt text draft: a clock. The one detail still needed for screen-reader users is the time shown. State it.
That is 12:32
